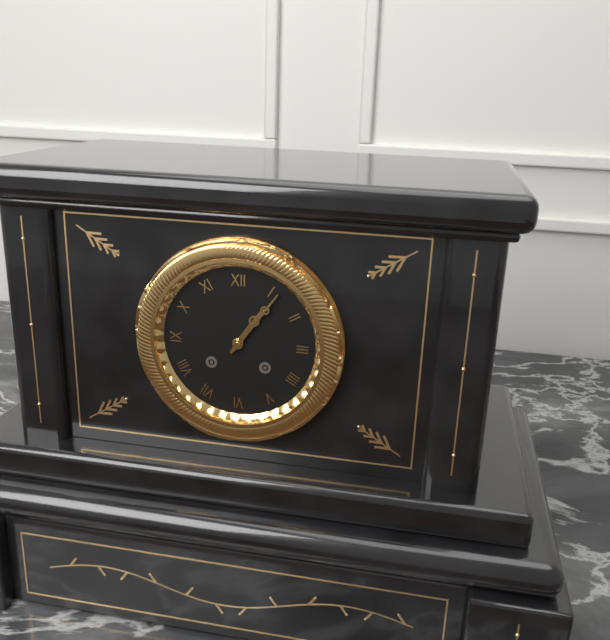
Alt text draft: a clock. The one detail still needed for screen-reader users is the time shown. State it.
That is 1:06
